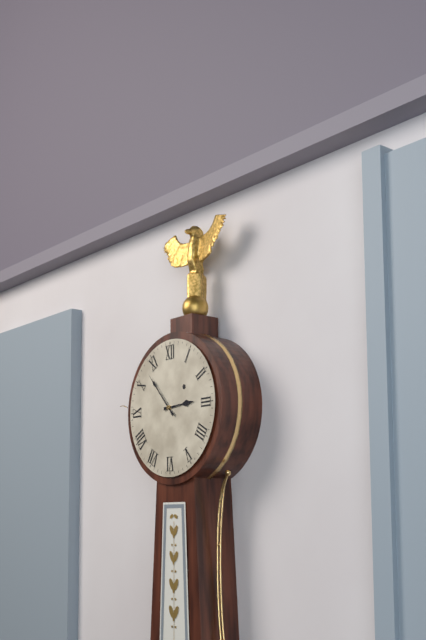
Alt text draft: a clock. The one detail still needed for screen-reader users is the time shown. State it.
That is 2:53
